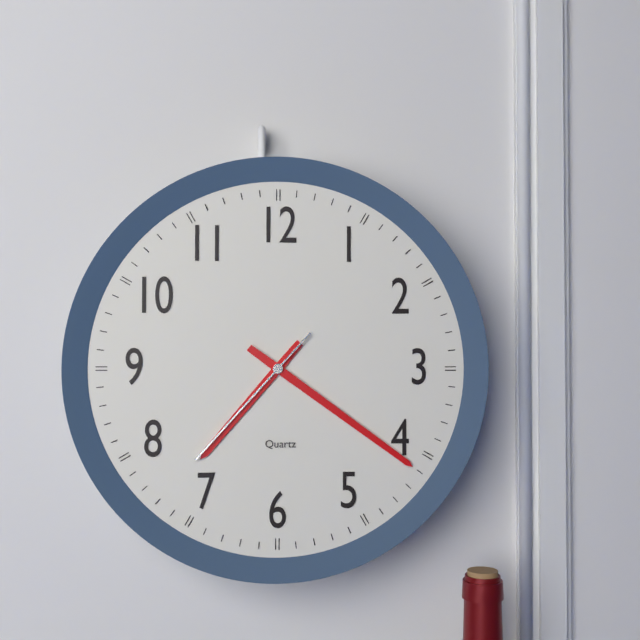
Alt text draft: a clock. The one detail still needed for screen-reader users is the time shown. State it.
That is 7:21:37
